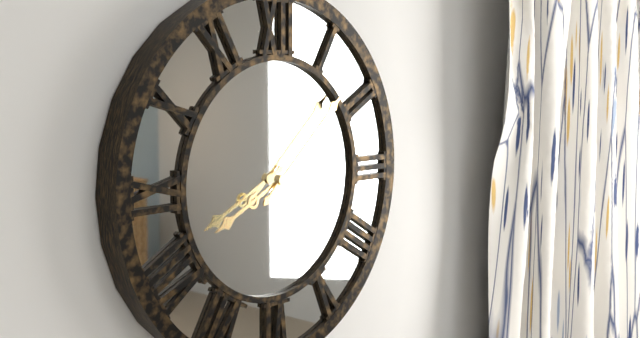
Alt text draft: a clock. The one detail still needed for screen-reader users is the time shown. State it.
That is 8:08
